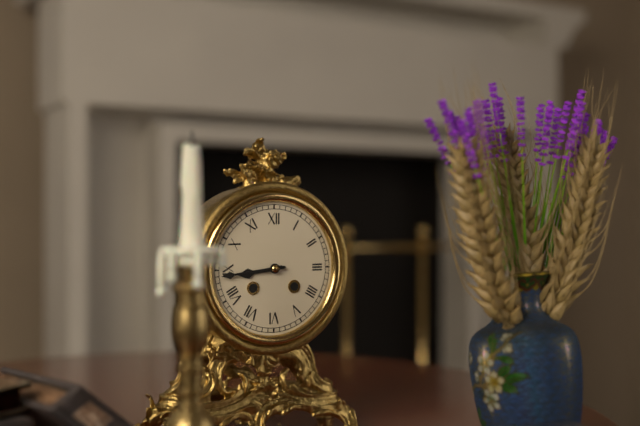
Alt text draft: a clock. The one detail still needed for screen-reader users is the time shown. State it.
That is 8:44
